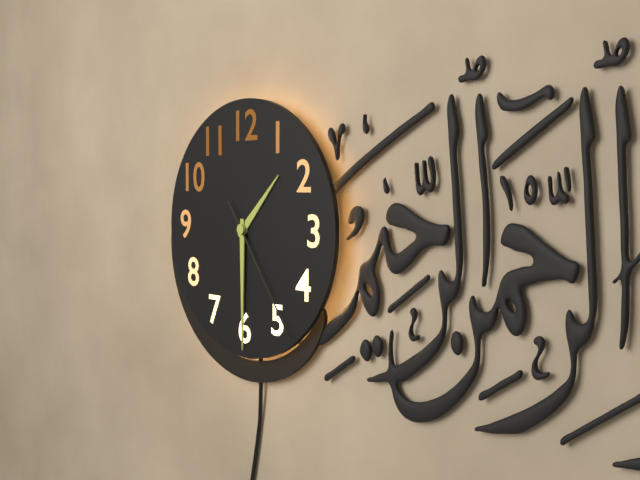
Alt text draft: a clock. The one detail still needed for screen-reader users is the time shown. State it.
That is 1:30:24
